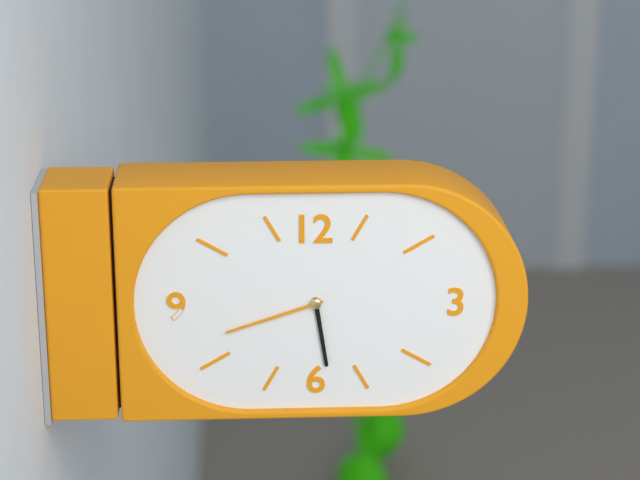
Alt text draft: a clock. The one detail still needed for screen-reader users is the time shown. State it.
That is 5:42
